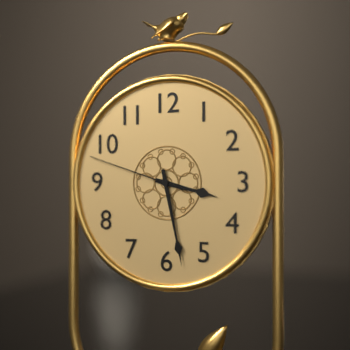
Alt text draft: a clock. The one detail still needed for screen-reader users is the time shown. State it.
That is 3:28:48
